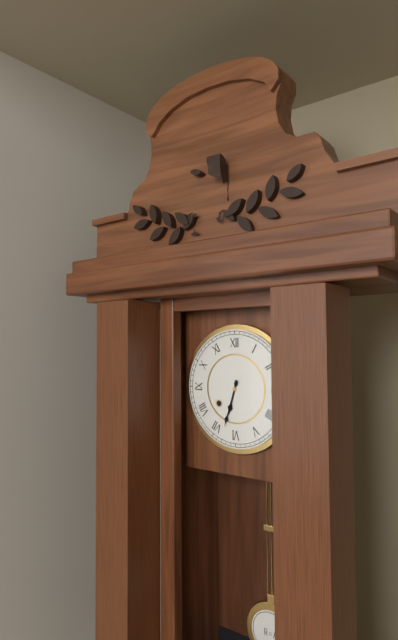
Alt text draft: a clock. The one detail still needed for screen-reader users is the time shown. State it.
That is 6:33
